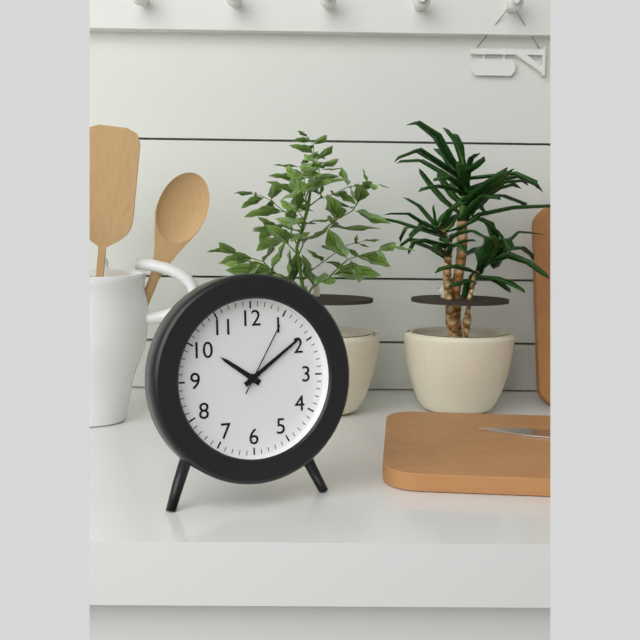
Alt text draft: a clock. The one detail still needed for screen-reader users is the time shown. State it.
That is 10:09:05
